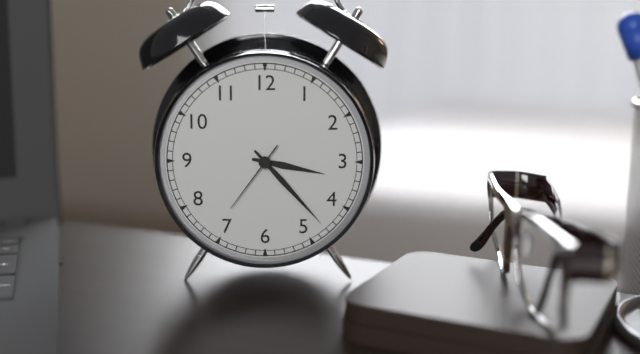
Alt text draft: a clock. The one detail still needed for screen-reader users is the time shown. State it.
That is 3:23:36
